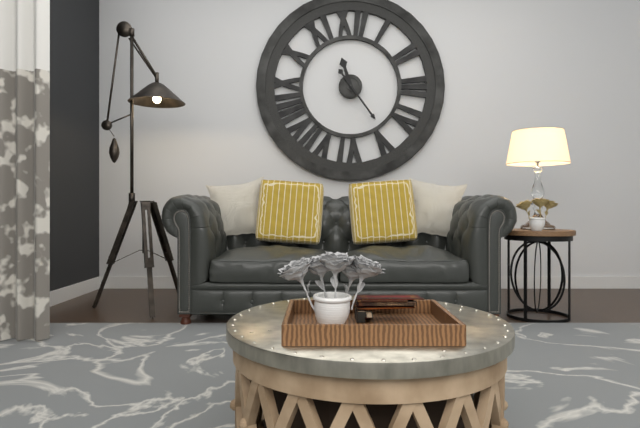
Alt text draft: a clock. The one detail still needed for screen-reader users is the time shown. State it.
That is 11:24
